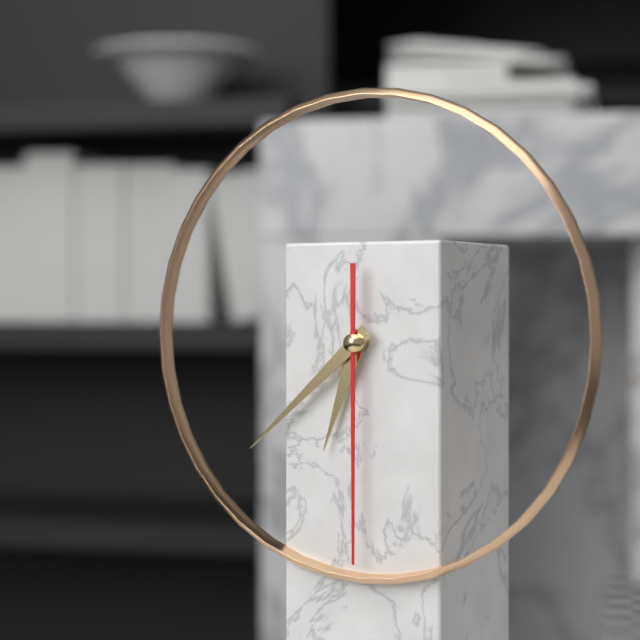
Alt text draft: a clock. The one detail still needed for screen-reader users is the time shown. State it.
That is 6:38:30
